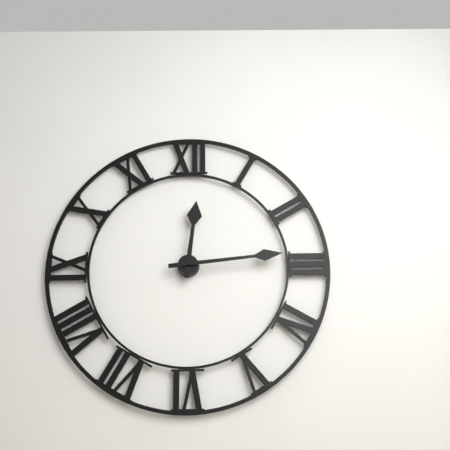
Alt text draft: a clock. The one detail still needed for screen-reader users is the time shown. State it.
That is 12:14
